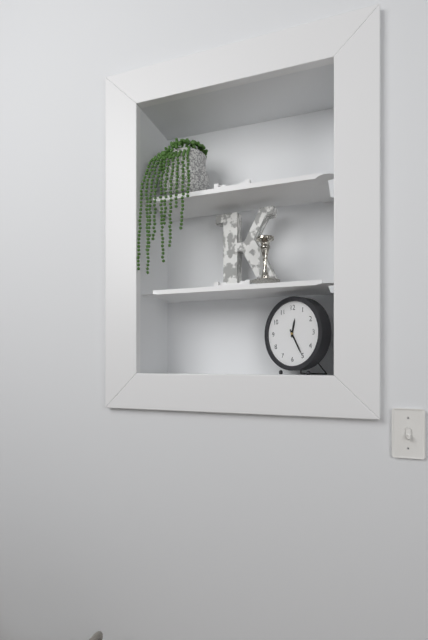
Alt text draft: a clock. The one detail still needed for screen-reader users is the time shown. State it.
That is 12:25
